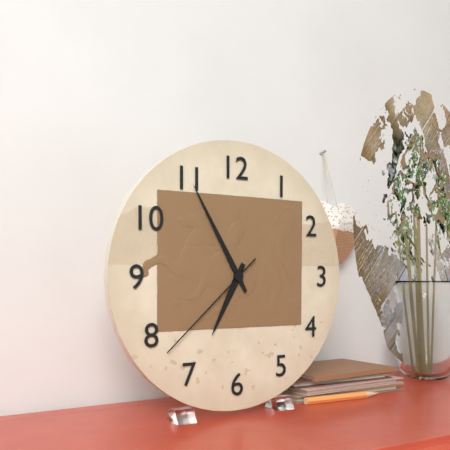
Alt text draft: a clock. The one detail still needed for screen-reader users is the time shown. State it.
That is 6:55:38
